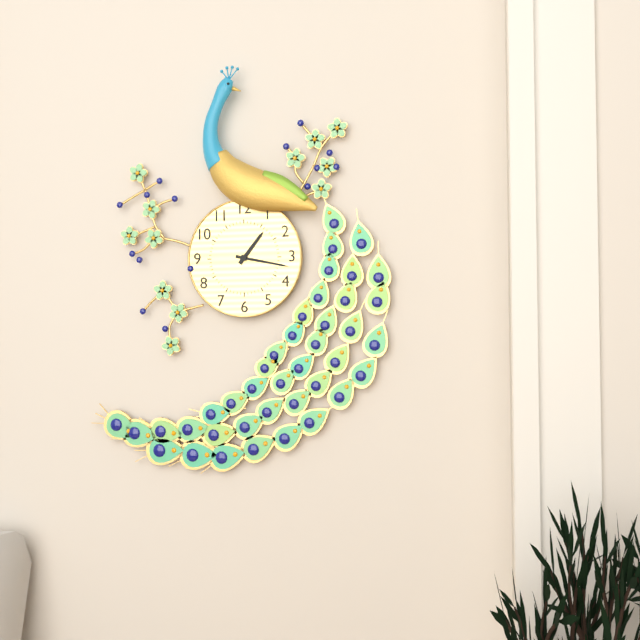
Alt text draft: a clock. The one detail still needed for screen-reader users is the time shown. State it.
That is 1:17
